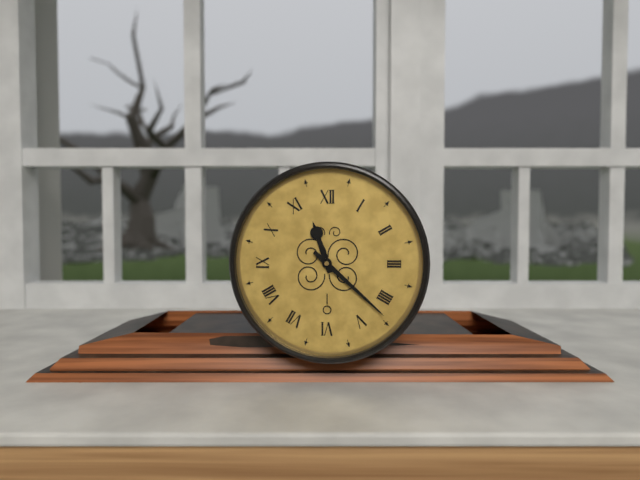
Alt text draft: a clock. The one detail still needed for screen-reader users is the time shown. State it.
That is 11:22
